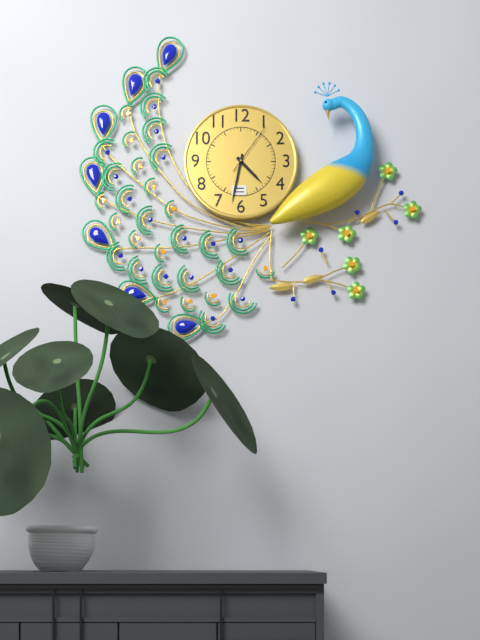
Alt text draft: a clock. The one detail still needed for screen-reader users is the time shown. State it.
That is 4:32:06
